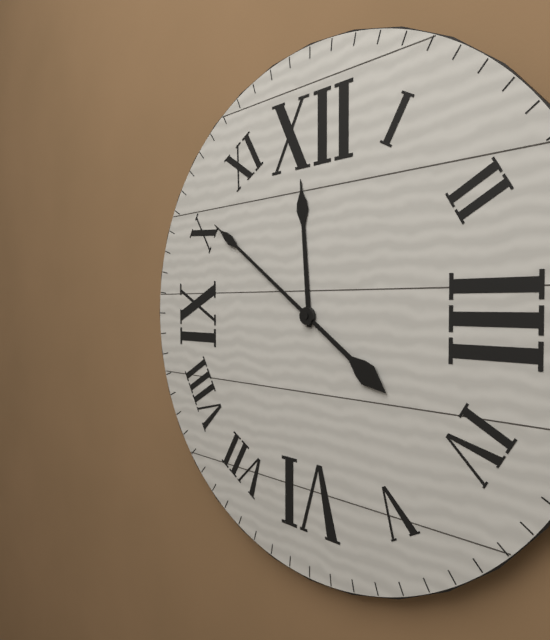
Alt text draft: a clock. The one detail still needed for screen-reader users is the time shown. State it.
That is 11:51
